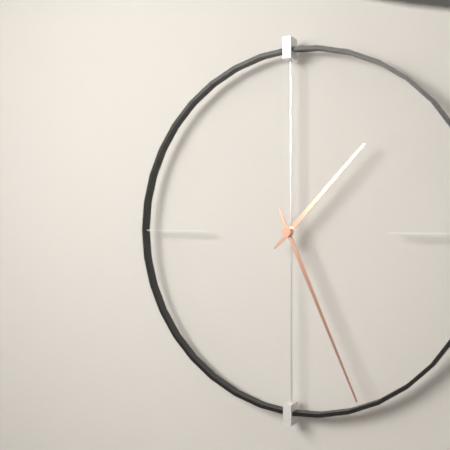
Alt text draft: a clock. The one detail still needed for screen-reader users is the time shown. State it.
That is 1:26
